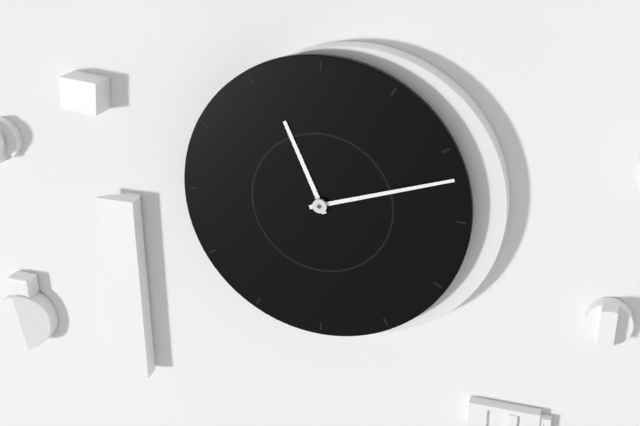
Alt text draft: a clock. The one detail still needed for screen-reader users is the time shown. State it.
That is 11:12
